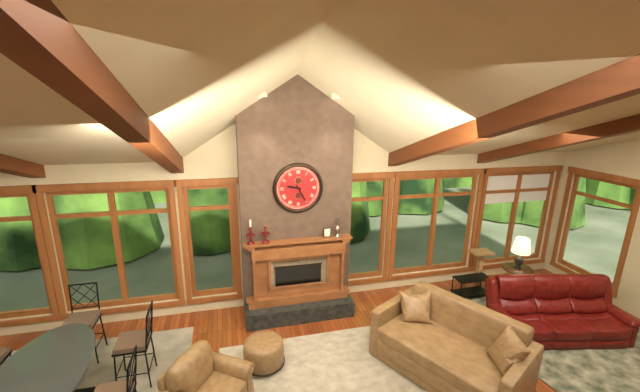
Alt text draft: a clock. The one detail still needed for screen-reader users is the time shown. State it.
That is 9:25
